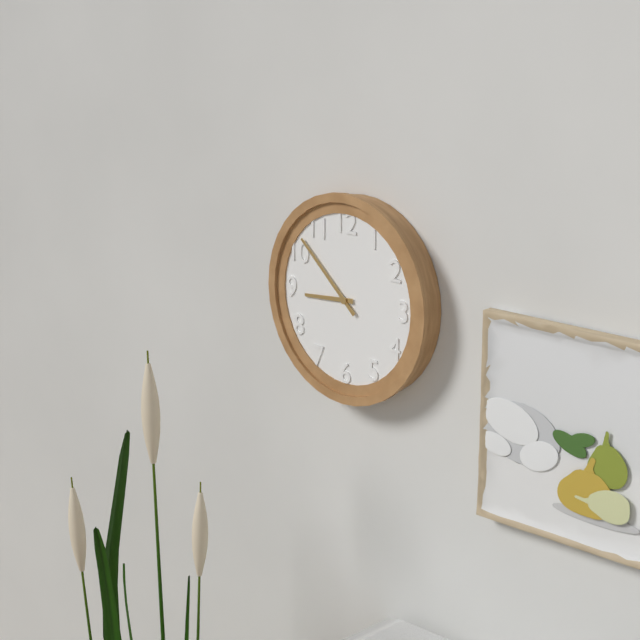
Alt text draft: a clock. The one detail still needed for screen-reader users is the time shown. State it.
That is 8:52
